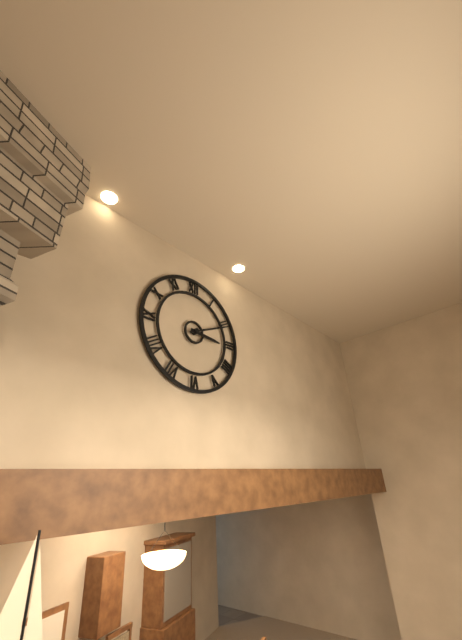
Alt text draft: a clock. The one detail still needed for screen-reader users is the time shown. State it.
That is 3:11
